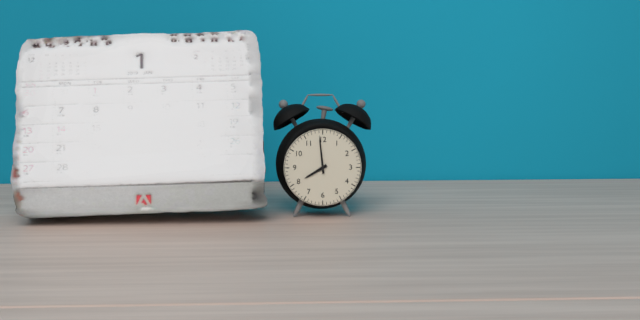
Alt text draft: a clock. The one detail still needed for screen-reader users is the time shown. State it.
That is 7:59
